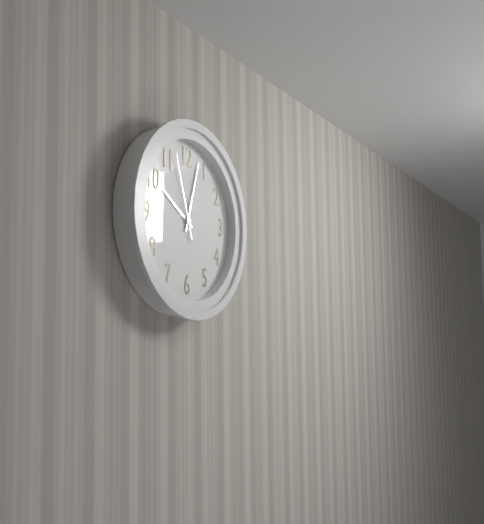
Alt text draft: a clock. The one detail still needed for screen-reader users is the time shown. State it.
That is 10:03:57
